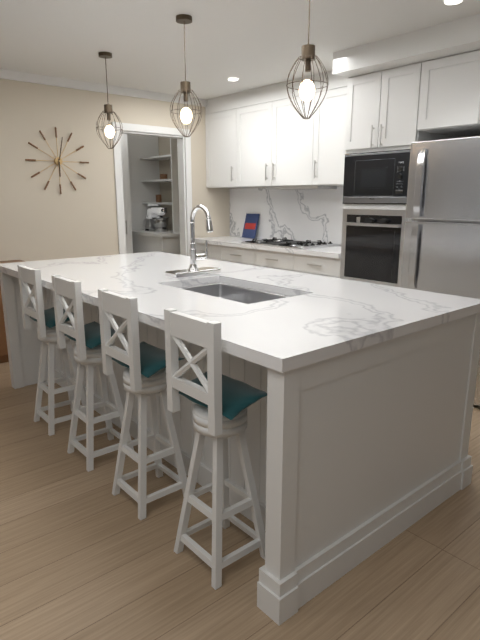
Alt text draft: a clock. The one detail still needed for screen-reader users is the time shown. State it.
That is 6:02
